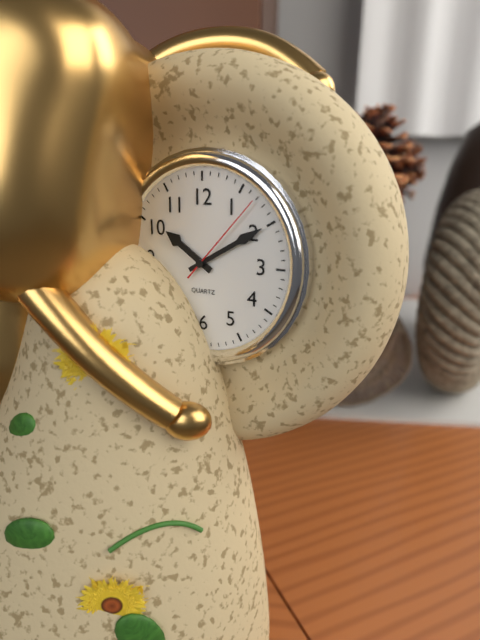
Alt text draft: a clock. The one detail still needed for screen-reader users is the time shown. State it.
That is 10:10:07
